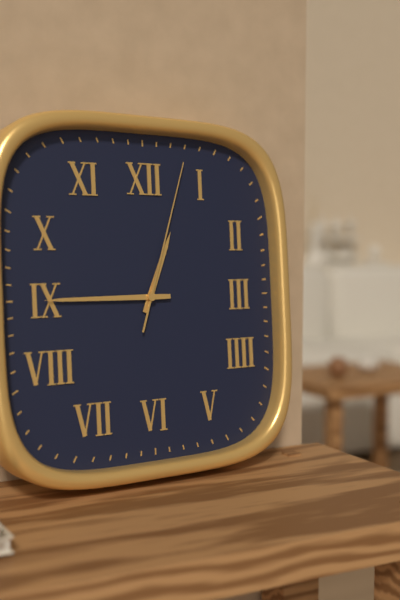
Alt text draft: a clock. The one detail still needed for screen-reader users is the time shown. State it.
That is 12:45:03
